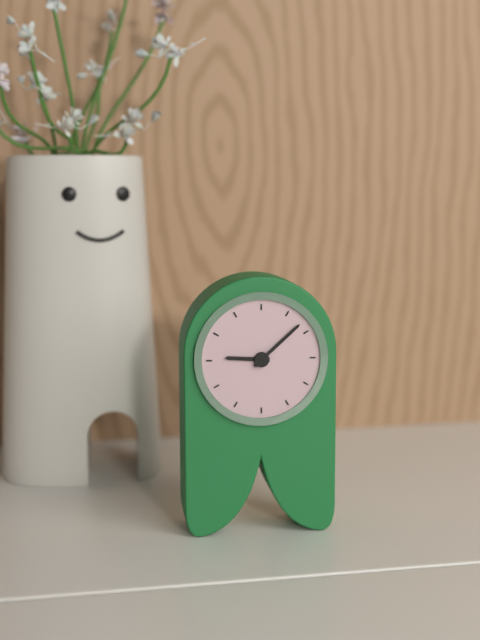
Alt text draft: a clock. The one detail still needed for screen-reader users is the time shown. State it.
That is 9:08
